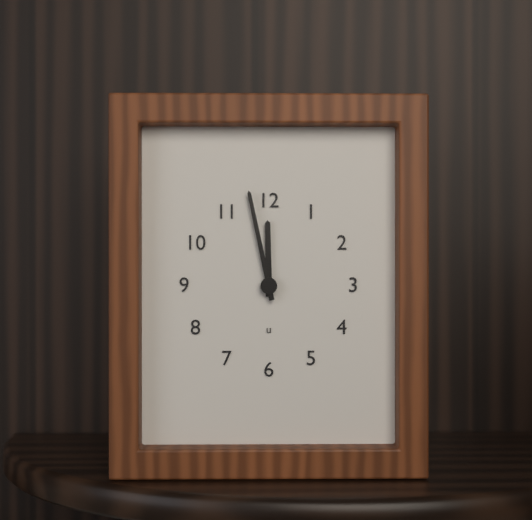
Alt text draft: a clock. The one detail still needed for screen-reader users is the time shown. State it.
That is 11:58
